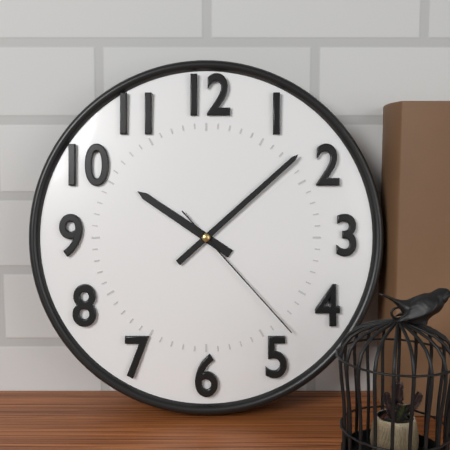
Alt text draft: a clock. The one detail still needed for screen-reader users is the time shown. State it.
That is 10:08:23
